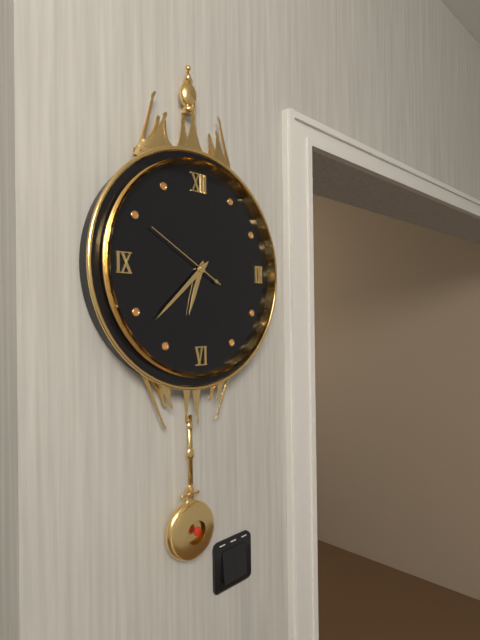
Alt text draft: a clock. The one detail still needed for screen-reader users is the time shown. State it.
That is 6:38:50
